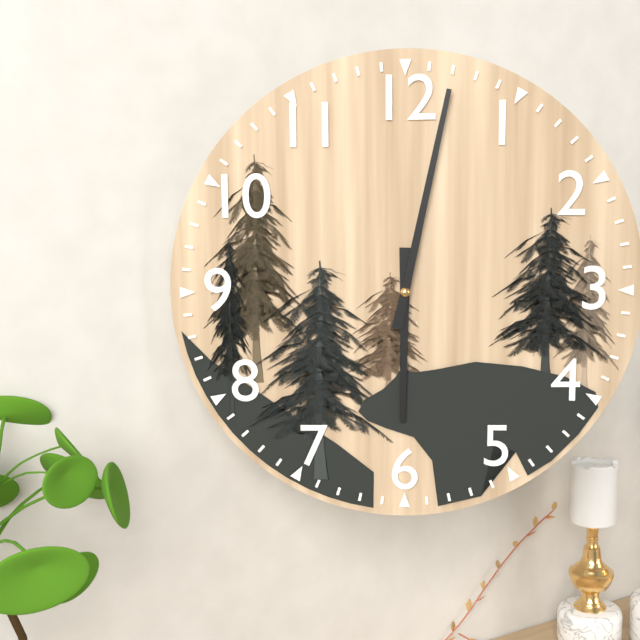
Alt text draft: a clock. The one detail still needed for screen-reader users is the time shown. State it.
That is 6:02
